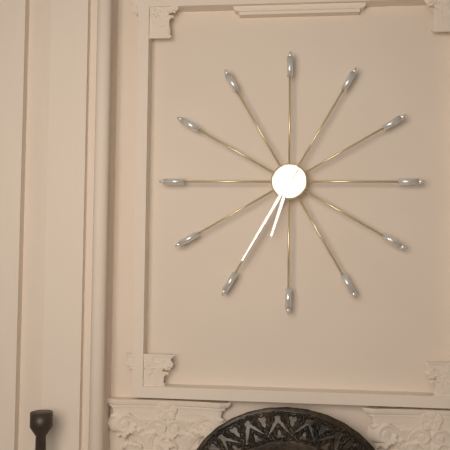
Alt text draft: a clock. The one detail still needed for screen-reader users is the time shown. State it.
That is 6:35
